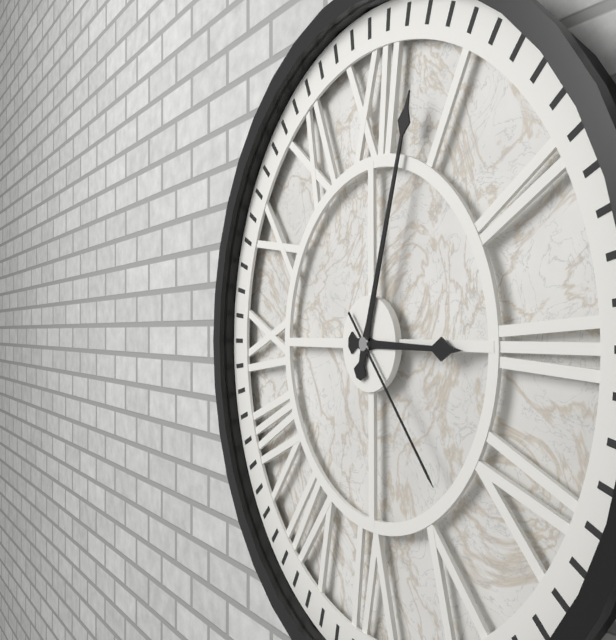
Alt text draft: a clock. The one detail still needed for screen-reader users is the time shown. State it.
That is 3:03:23
